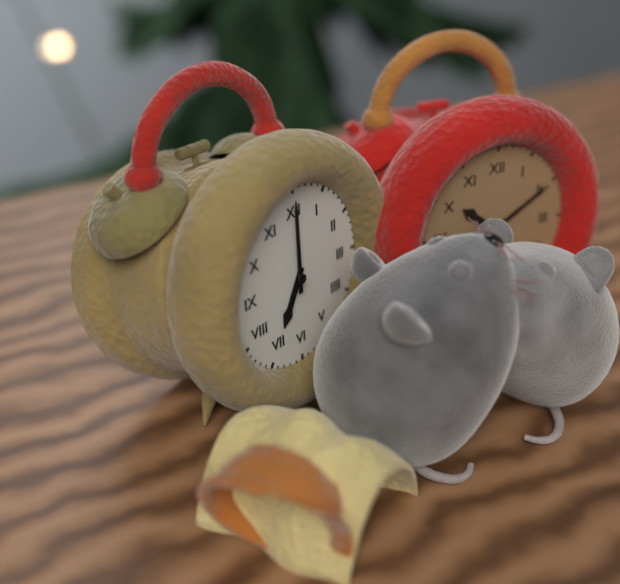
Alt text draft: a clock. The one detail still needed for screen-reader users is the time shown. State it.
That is 7:00
